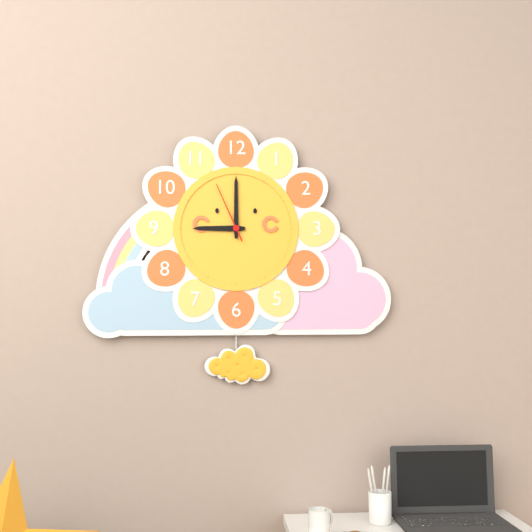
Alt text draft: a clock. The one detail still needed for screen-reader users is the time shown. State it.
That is 9:00:56
